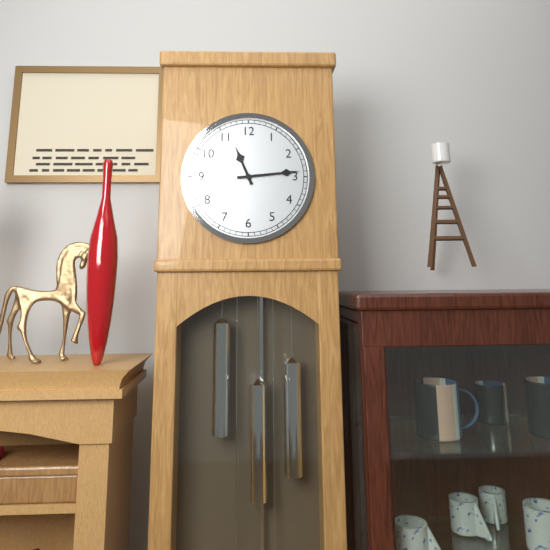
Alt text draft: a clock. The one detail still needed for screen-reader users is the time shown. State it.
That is 11:14
